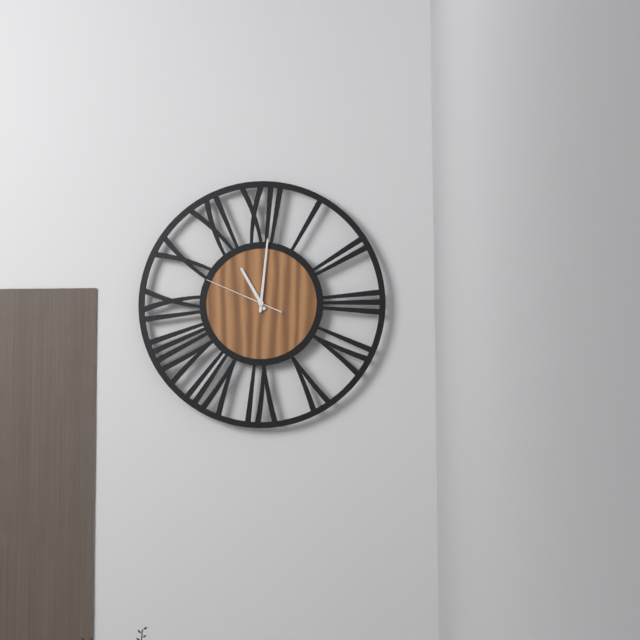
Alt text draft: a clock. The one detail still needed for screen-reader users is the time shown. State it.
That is 11:01:49
